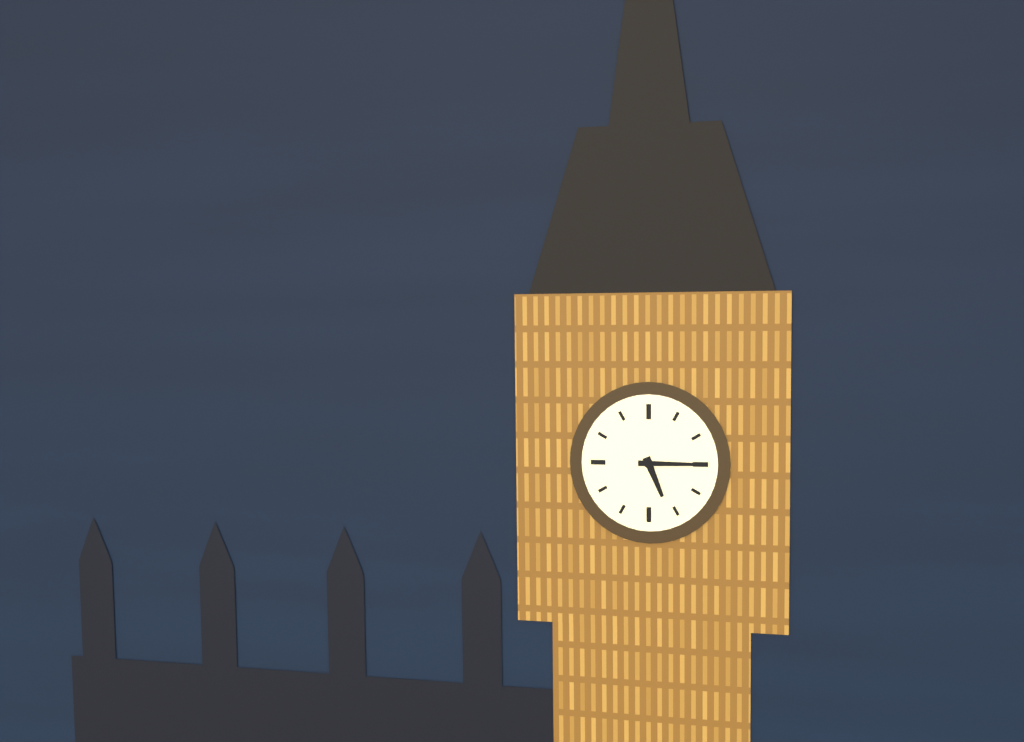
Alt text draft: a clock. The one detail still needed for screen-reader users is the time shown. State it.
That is 5:15
